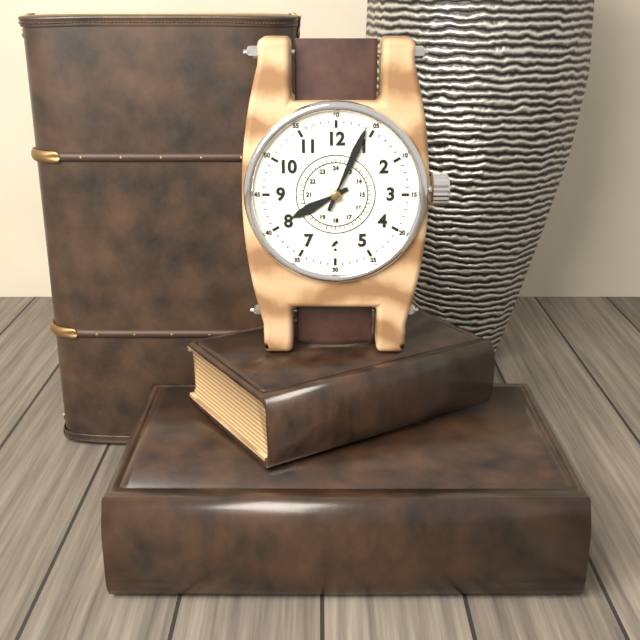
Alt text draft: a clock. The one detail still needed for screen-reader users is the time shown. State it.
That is 8:04
